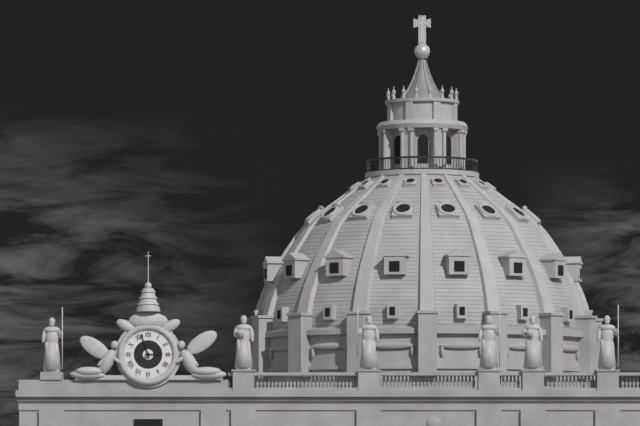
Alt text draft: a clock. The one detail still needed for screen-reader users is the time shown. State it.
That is 2:57
